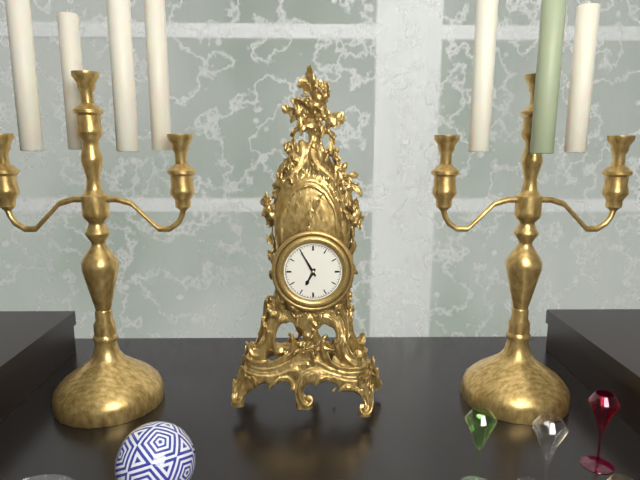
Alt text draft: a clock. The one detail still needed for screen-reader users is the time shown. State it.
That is 6:55
